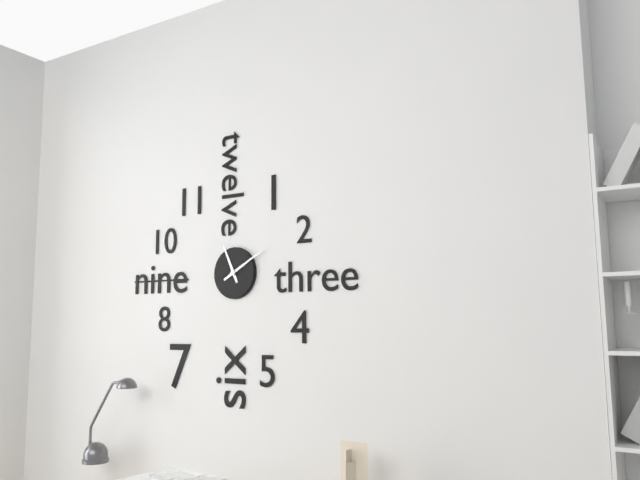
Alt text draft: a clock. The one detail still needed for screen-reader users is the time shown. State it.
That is 11:10
